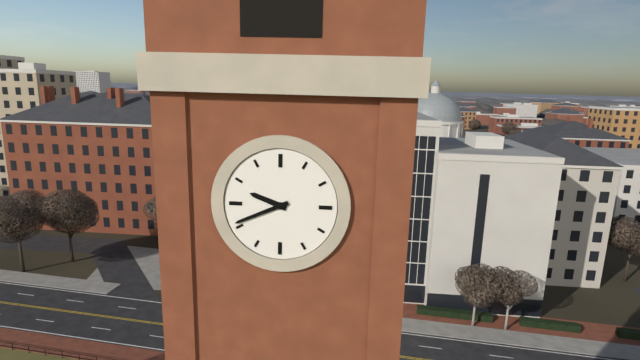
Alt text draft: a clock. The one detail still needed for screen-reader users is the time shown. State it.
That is 9:41
